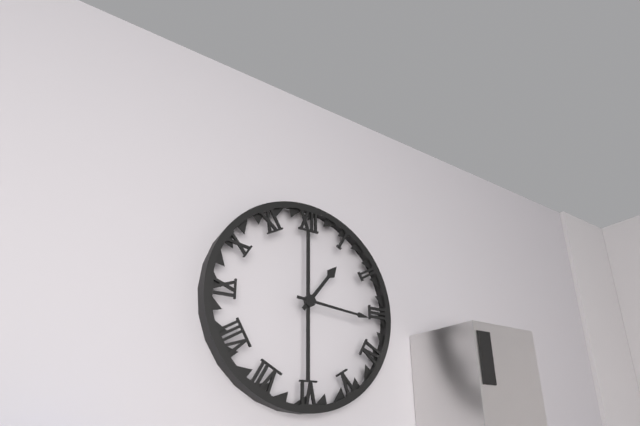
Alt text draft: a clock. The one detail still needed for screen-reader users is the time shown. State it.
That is 1:16
